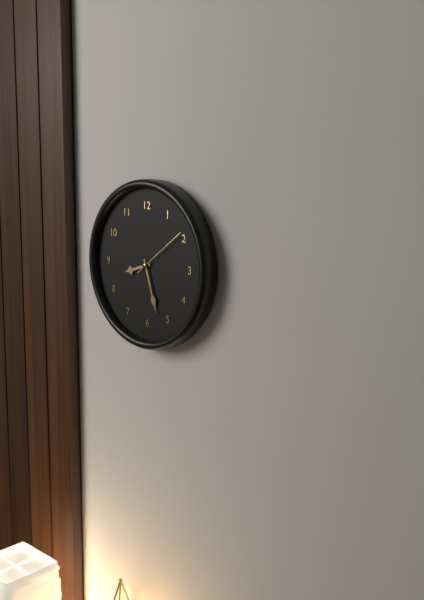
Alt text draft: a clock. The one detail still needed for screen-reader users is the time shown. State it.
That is 8:27
